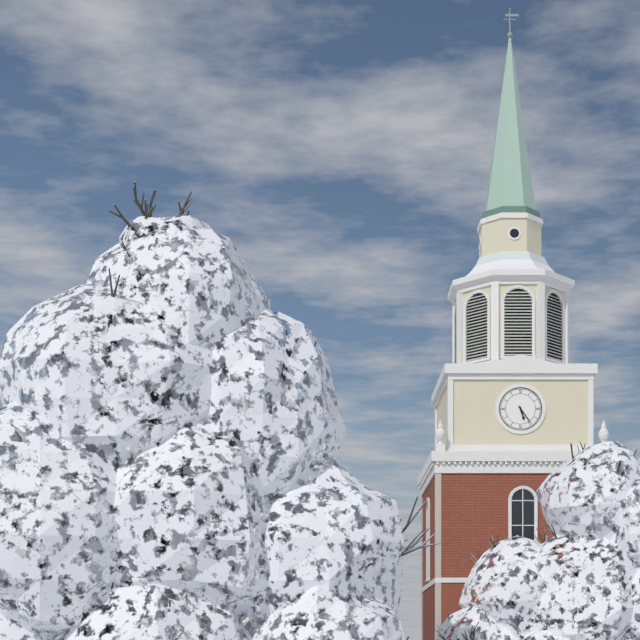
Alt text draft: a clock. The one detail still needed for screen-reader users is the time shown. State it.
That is 5:24
